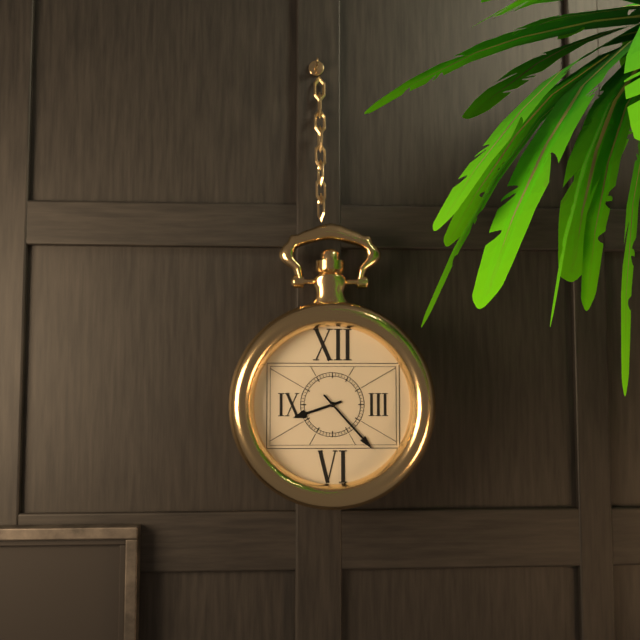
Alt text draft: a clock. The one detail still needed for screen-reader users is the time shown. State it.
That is 8:23
